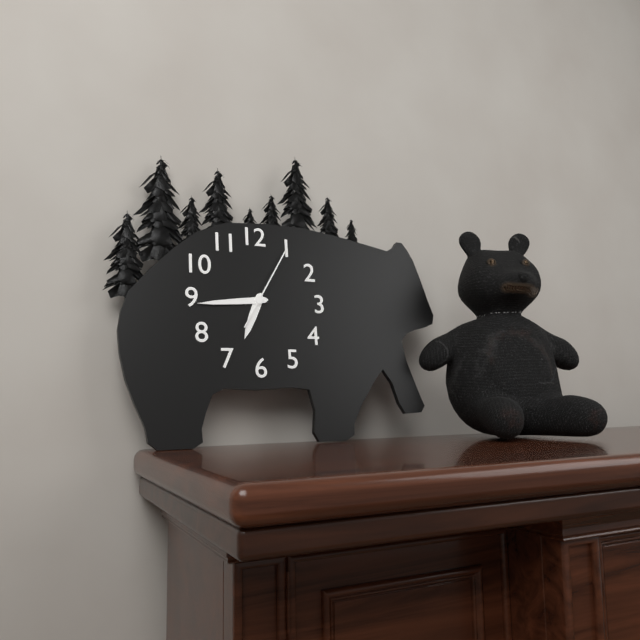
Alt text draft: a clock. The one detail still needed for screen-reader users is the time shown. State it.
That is 6:44:05
